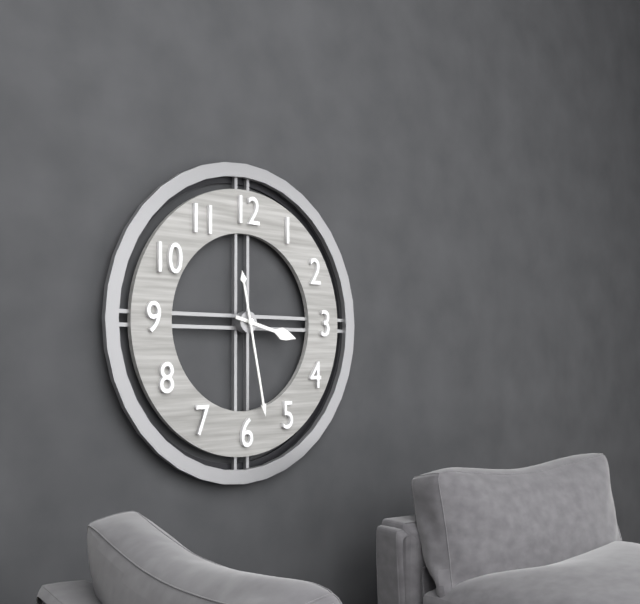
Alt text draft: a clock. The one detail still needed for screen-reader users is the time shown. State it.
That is 3:28
